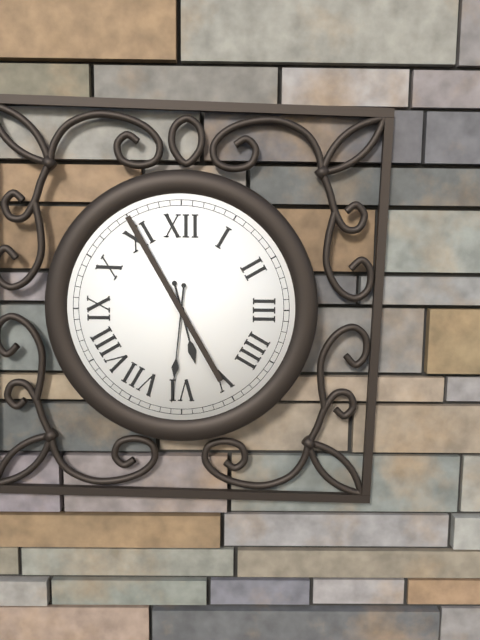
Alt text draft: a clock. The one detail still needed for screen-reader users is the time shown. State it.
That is 5:31
